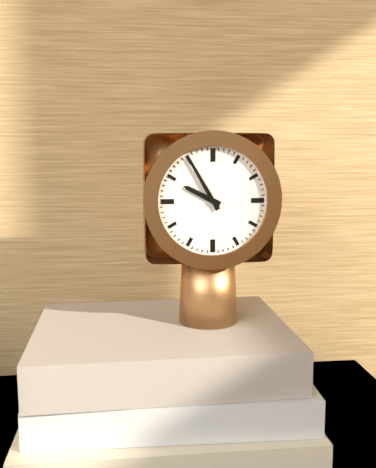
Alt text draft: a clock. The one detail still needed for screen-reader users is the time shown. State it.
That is 9:55
